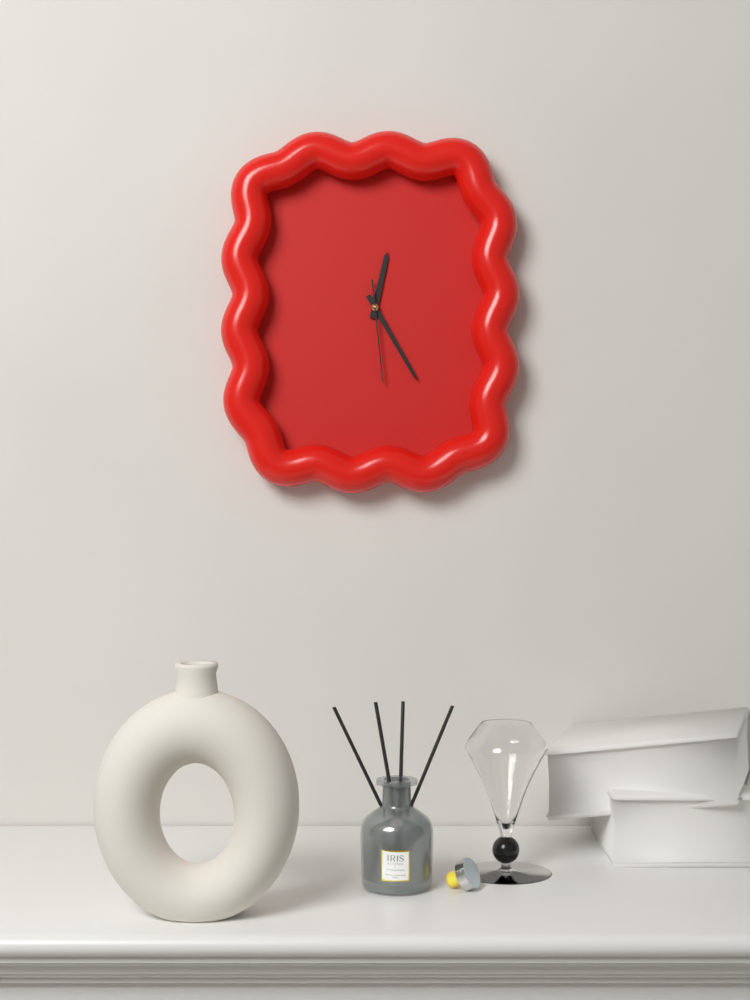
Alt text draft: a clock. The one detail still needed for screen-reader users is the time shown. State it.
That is 12:25:29
